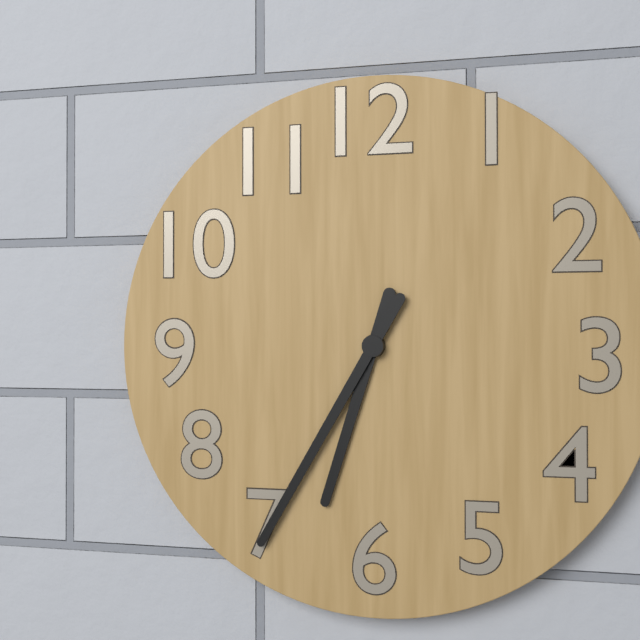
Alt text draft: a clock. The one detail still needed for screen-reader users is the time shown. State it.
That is 6:35
